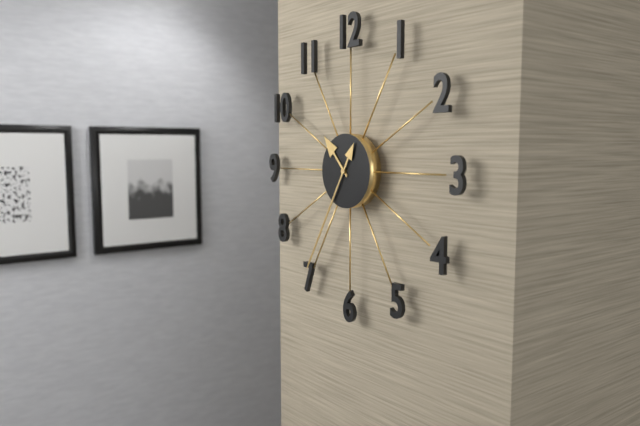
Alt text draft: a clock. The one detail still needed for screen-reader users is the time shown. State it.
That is 10:35
